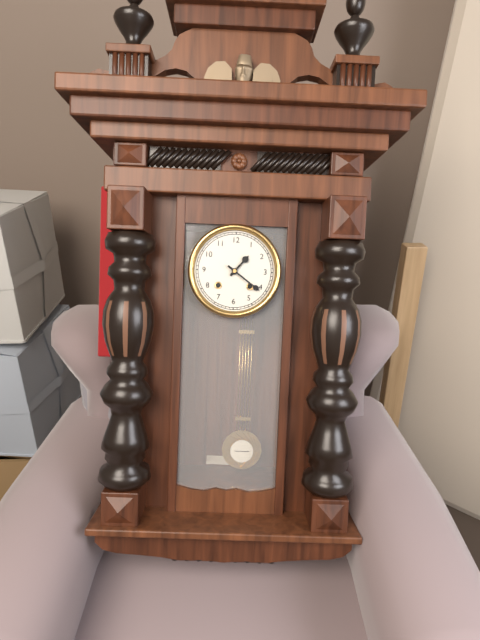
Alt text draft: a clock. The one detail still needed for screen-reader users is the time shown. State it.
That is 1:21
